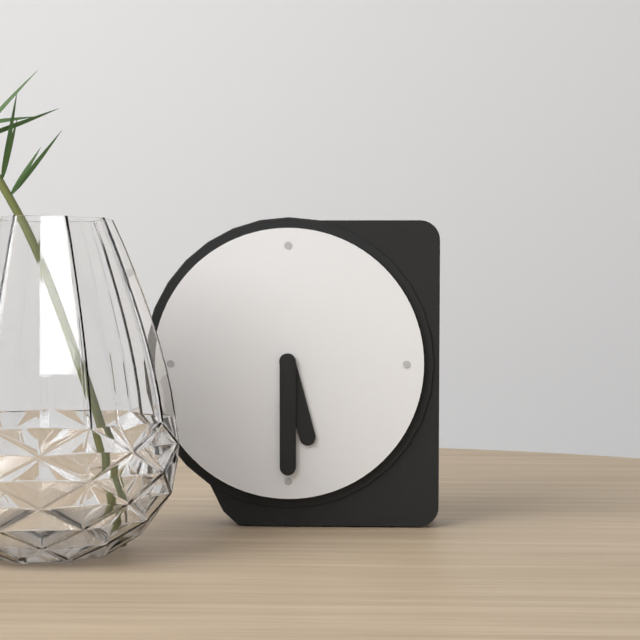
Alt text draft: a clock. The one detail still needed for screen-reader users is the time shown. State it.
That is 5:30
